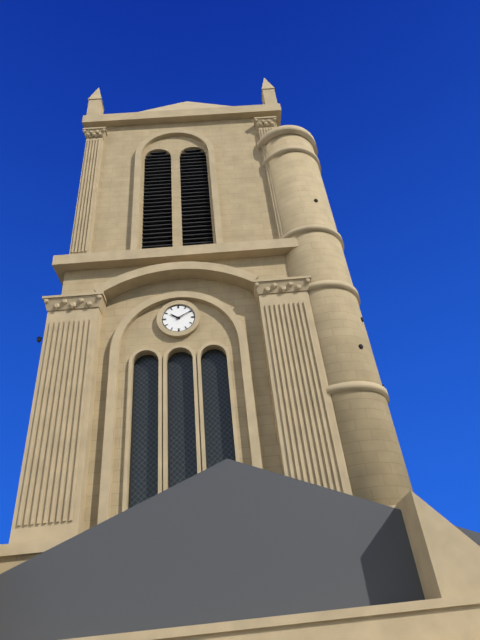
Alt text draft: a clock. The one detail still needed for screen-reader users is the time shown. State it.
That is 10:10
